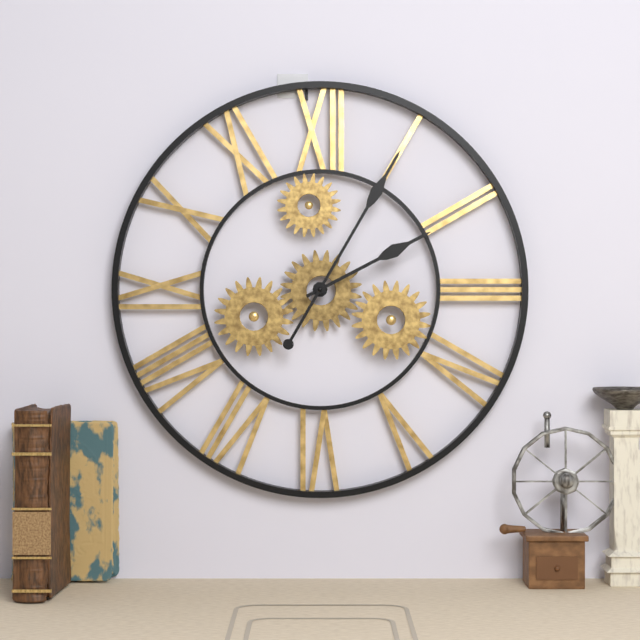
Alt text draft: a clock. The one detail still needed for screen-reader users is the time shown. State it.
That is 2:05
